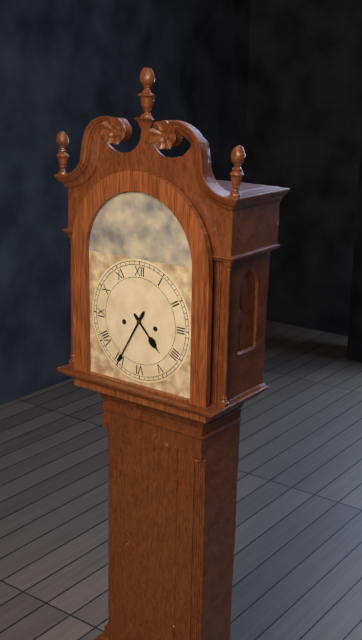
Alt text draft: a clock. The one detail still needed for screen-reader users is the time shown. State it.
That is 4:35
